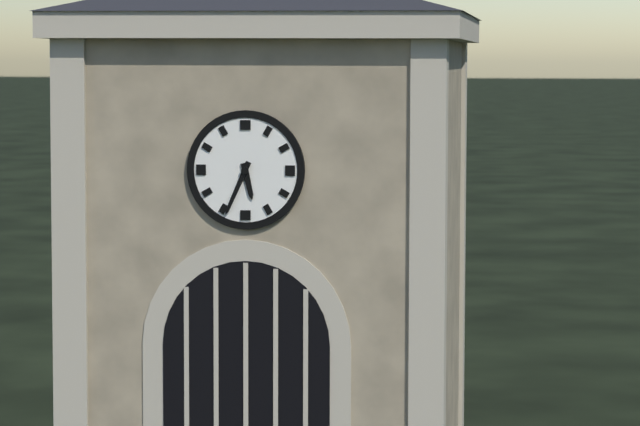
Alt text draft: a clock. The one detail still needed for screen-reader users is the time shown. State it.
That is 5:34
